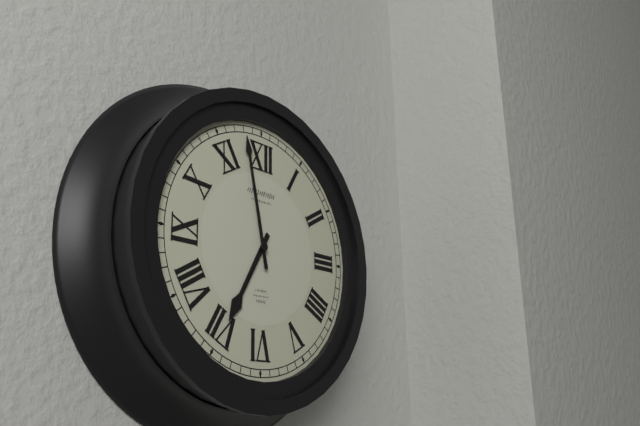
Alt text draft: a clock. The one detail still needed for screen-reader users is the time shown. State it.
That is 6:58
